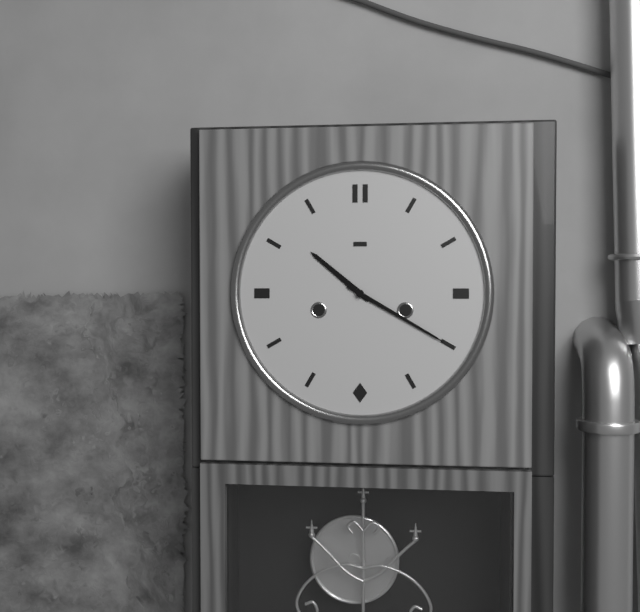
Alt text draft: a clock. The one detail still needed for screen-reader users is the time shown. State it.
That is 10:20
